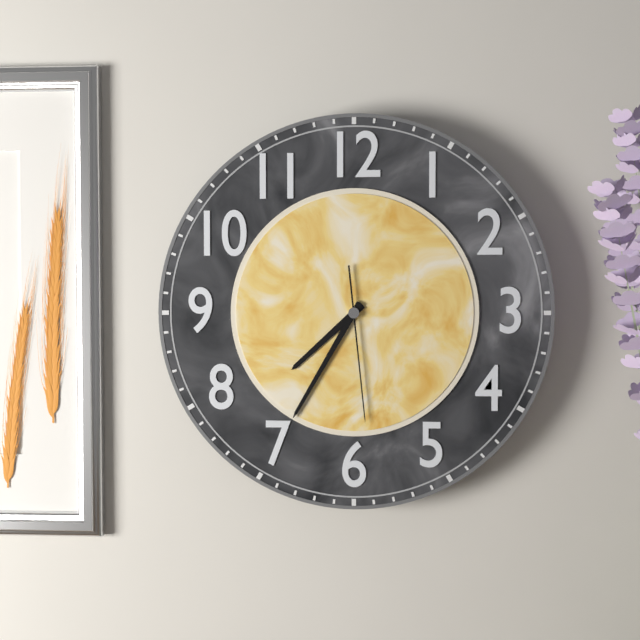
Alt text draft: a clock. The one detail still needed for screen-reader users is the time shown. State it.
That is 7:35:29
